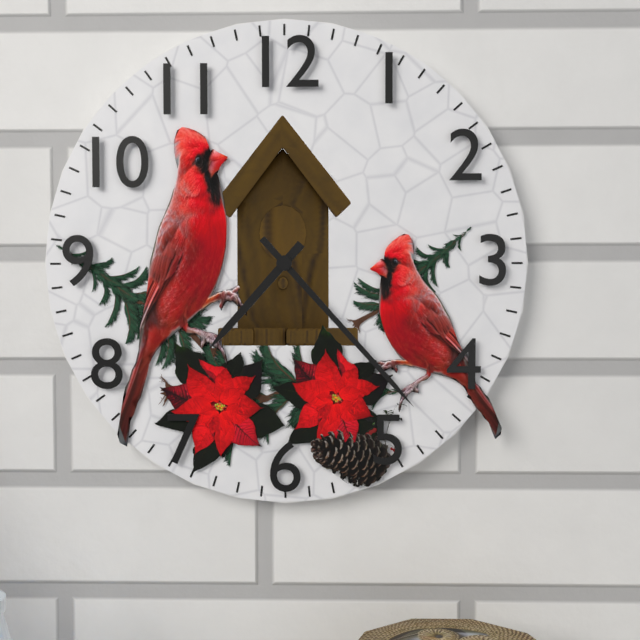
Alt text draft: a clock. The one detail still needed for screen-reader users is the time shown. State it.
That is 7:23
